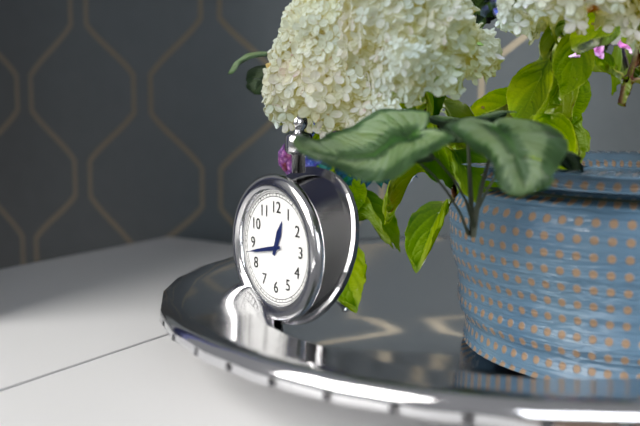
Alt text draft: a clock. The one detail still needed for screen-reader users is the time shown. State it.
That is 12:43
